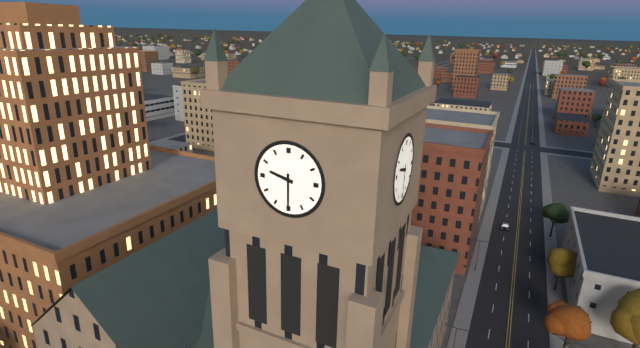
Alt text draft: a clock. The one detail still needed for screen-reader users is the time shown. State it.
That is 9:30
